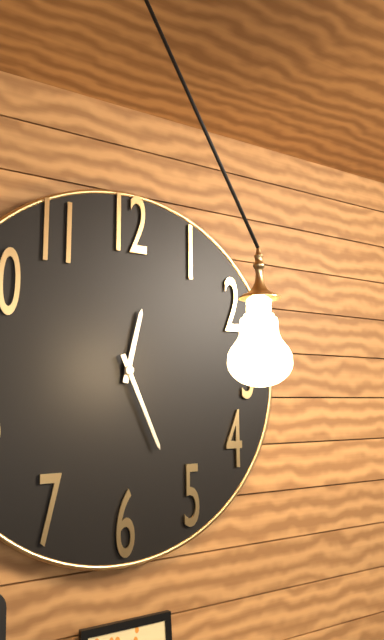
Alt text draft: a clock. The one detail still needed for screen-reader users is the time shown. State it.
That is 12:26
